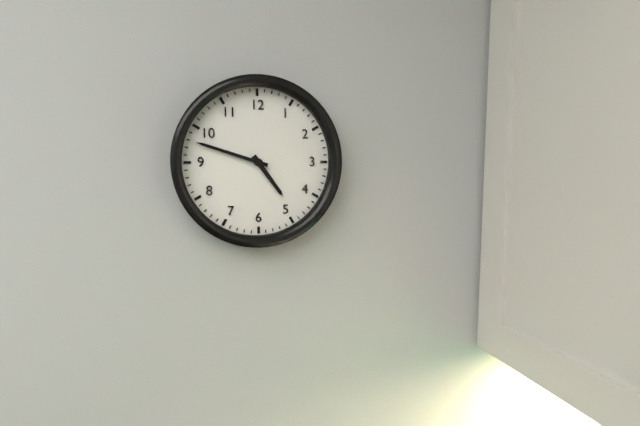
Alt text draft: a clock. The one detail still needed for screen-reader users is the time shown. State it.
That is 4:48
